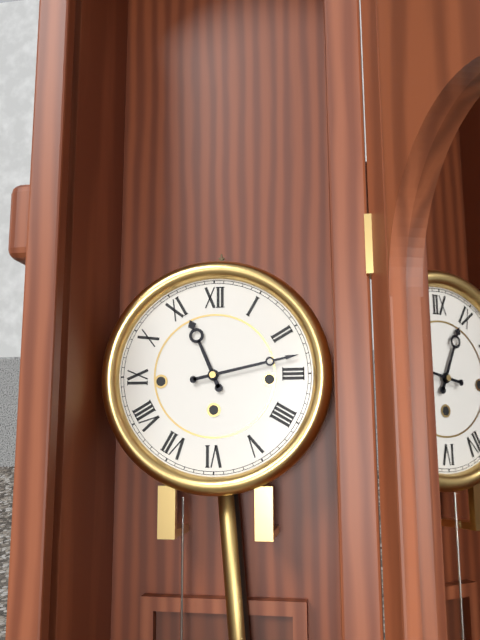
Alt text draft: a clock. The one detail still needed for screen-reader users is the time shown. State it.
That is 11:13
